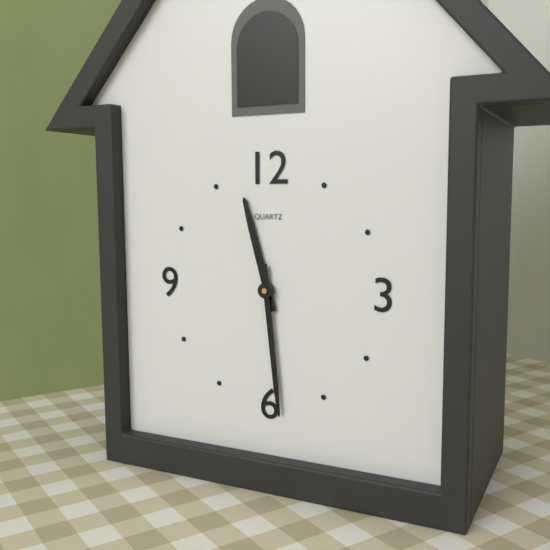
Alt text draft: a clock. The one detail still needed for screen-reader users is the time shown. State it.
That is 11:29
